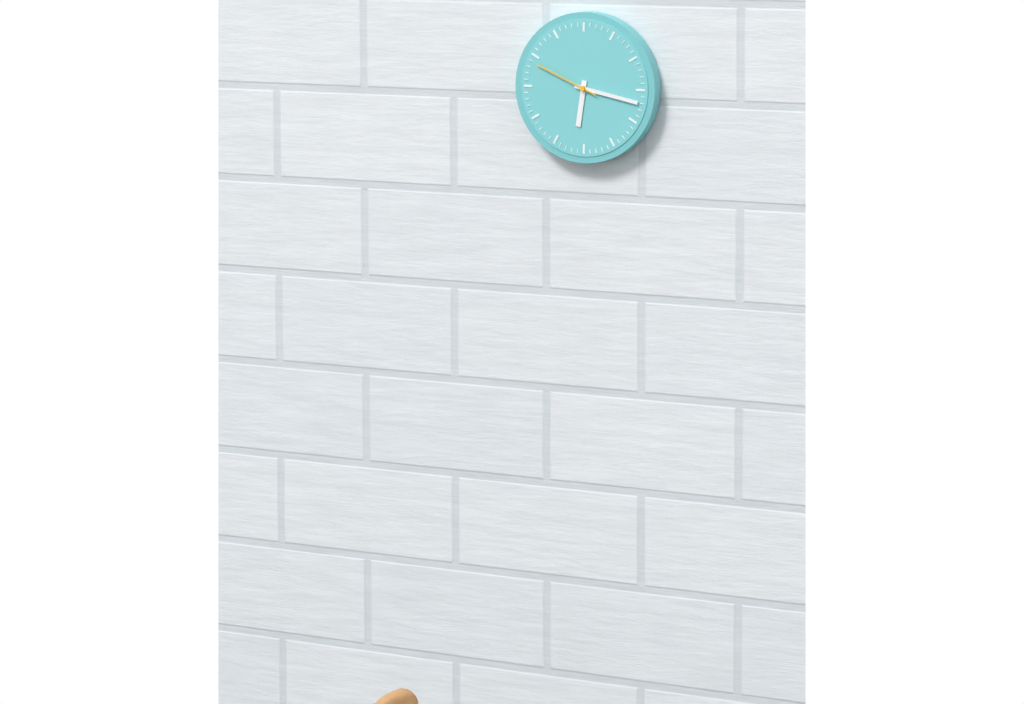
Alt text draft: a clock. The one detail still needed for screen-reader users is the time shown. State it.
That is 6:17:49
